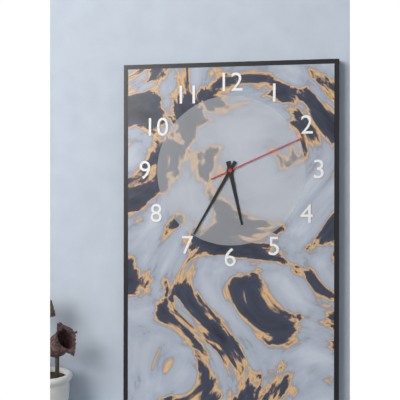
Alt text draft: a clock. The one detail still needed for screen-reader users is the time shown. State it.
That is 5:35:11
